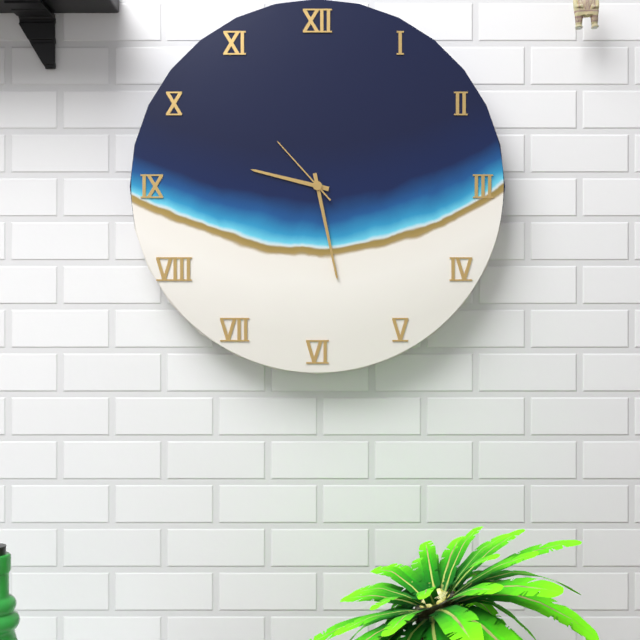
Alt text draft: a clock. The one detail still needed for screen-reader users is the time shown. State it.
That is 9:28:53
